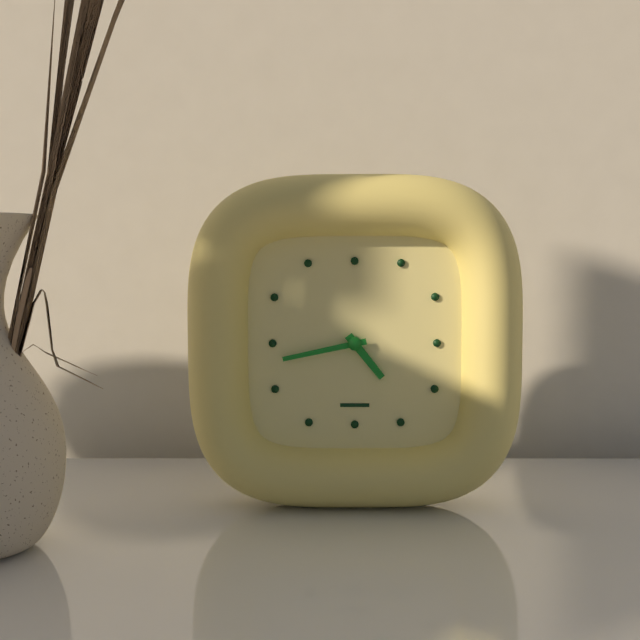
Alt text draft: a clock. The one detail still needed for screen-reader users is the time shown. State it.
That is 4:43
